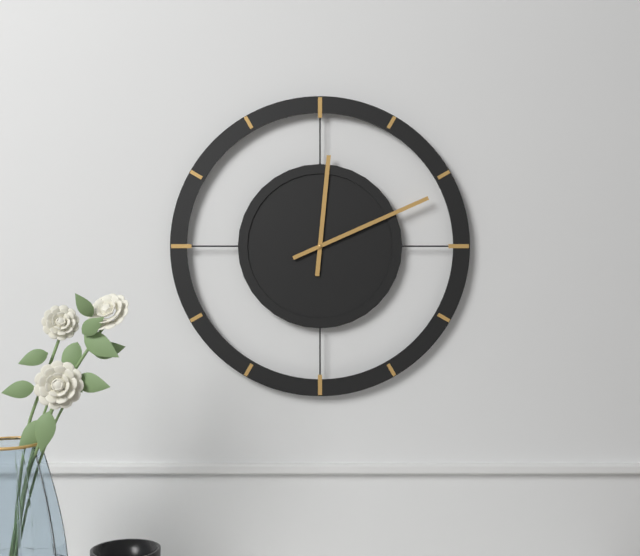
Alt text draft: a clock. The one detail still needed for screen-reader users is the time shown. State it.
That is 12:11
